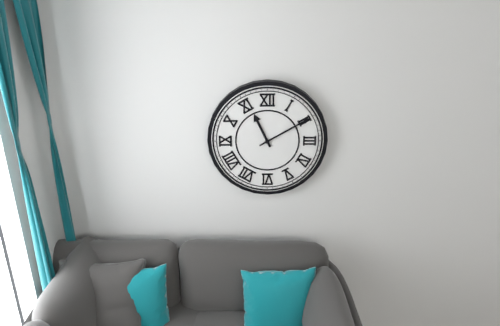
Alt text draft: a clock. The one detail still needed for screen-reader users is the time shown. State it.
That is 11:10
